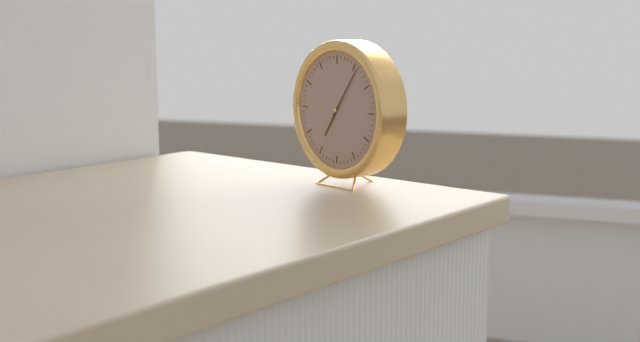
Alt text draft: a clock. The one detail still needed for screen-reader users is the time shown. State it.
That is 7:06
